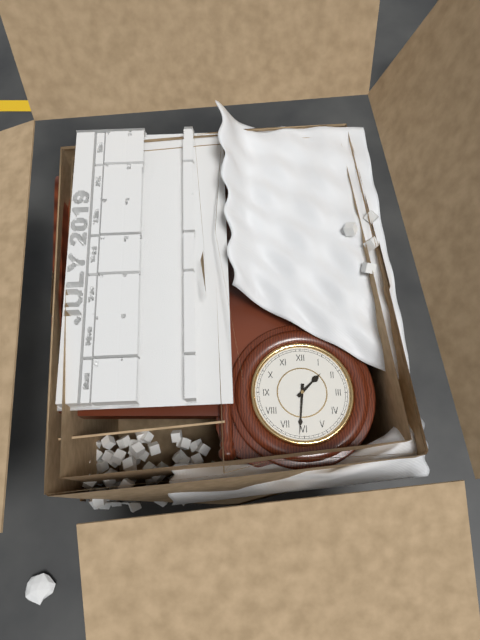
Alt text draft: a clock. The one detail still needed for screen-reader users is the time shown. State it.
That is 1:31
